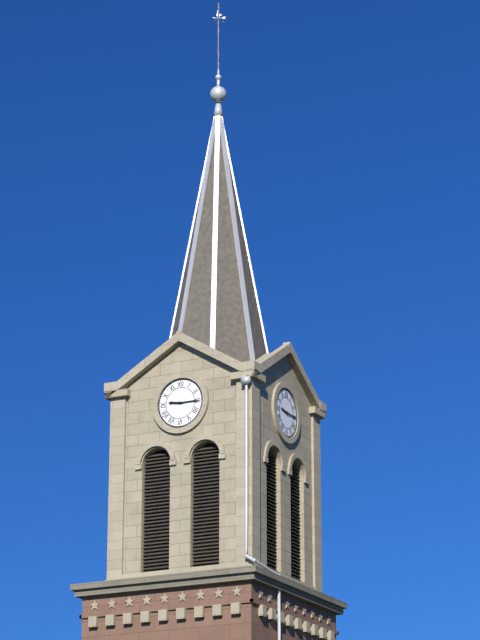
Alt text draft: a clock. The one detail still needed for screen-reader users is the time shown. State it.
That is 9:15
